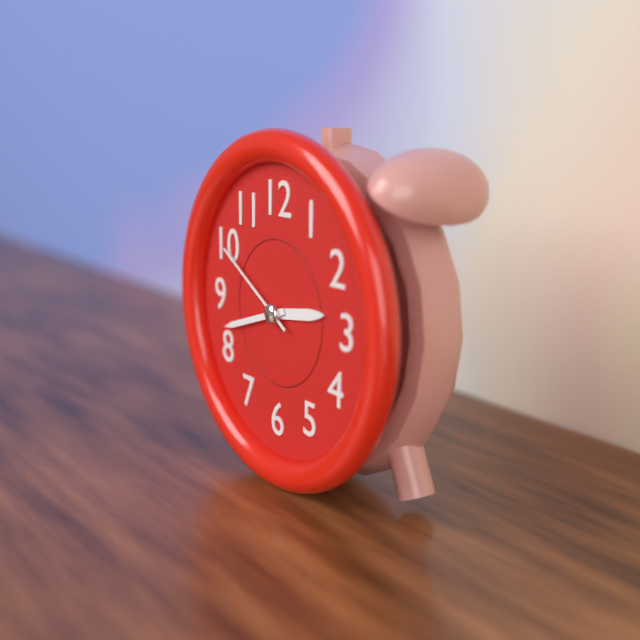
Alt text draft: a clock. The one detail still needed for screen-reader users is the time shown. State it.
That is 2:42:50
